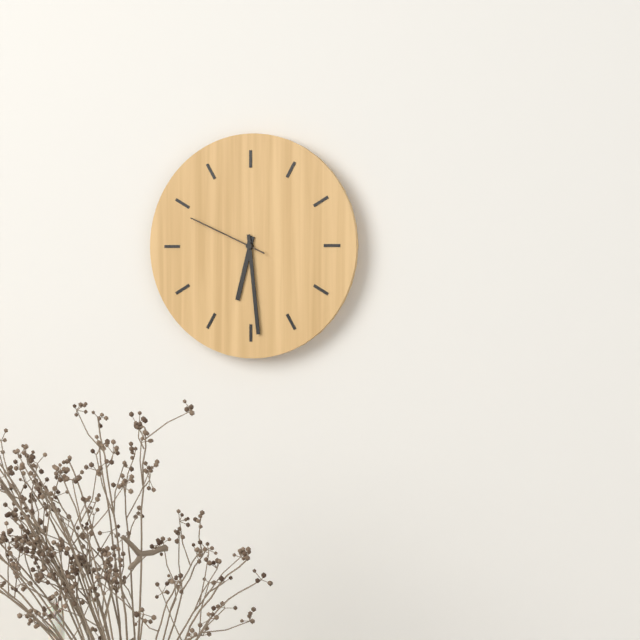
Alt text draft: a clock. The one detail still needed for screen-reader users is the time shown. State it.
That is 6:29:49
